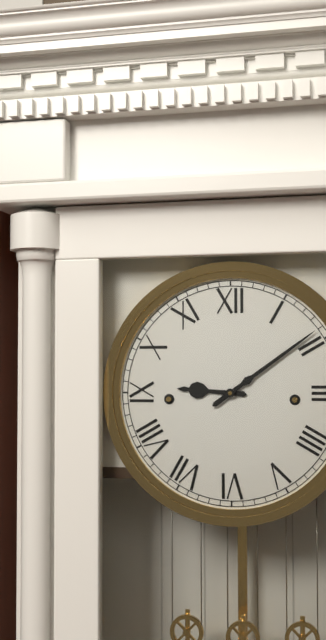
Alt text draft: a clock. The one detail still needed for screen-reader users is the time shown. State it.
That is 9:09
